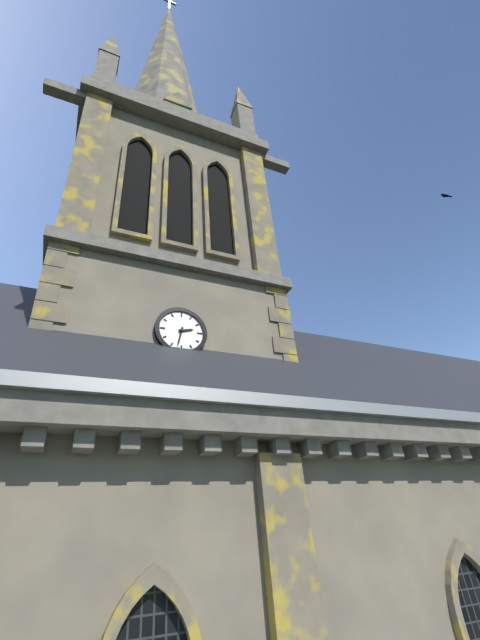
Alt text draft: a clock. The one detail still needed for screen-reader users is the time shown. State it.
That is 2:32
